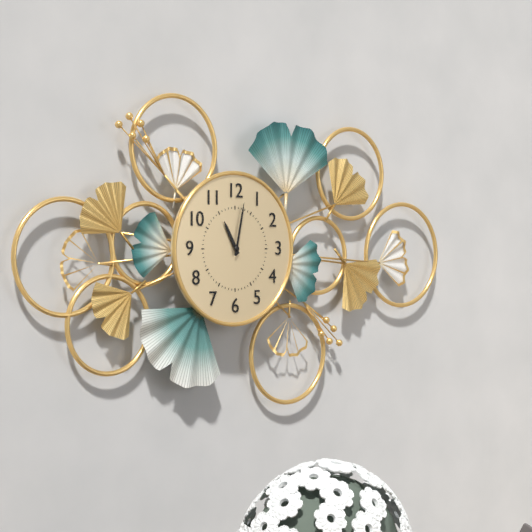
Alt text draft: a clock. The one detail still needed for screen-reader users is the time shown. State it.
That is 11:02
